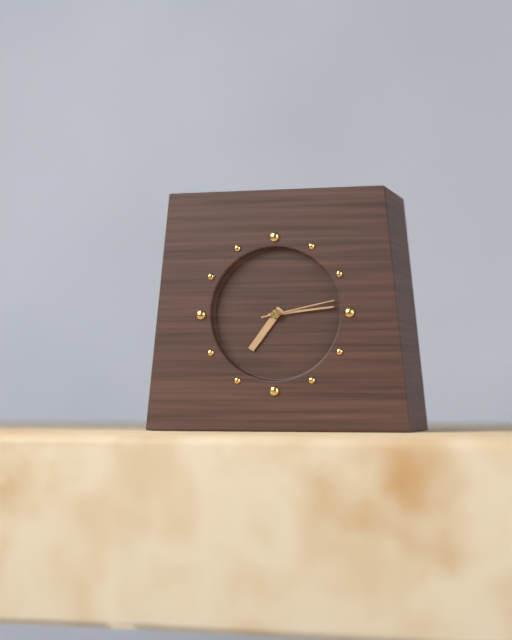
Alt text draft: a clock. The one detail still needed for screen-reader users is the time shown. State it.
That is 7:14:13
